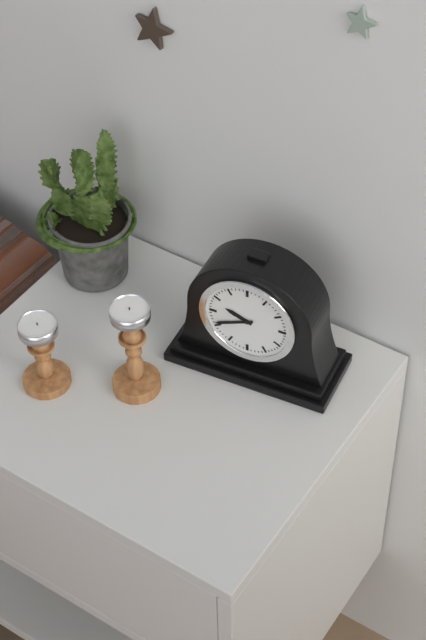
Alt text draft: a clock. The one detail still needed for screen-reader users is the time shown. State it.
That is 9:41
